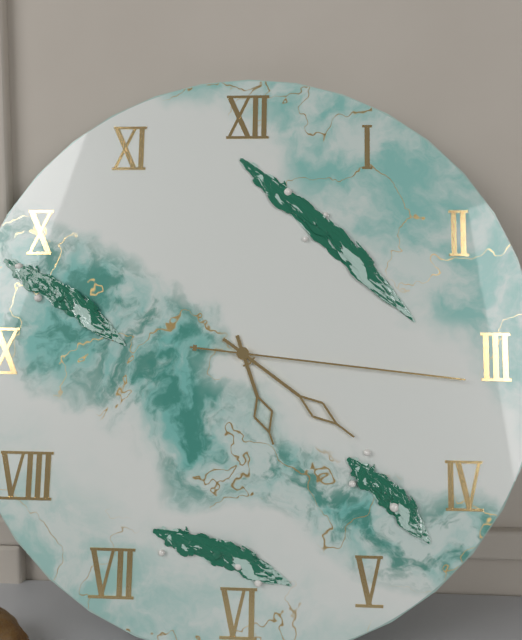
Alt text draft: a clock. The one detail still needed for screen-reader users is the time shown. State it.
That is 5:21:16
